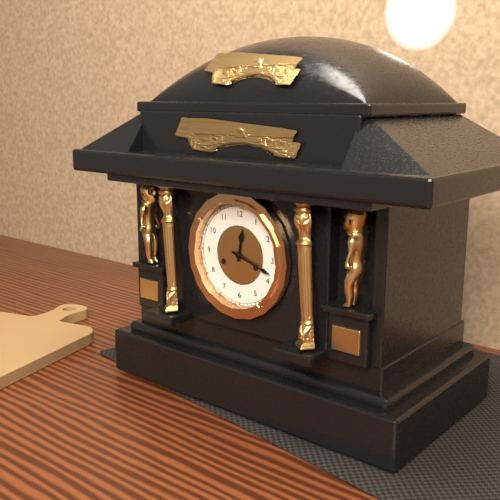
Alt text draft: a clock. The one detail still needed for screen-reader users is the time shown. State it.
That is 12:18
